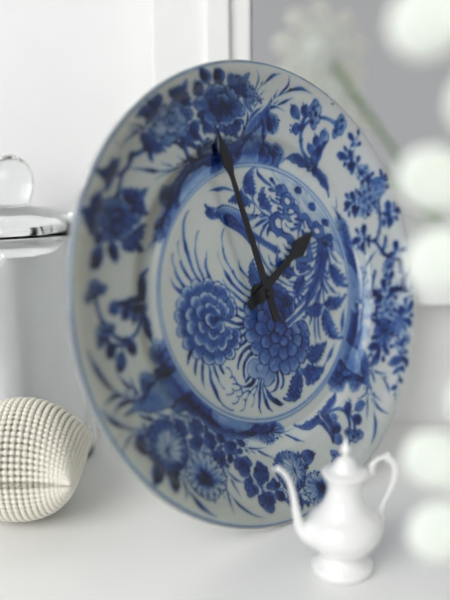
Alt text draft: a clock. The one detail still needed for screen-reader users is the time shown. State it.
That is 1:58
